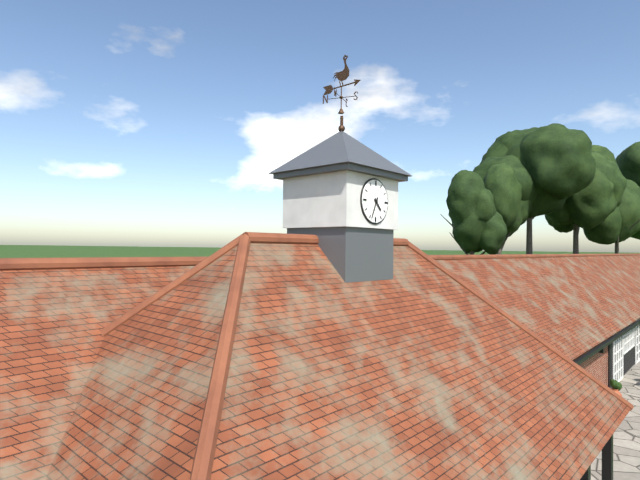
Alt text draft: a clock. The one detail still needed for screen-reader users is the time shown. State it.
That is 4:34
